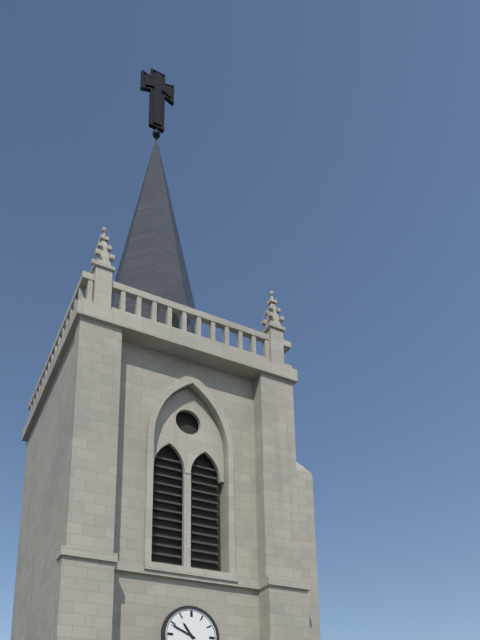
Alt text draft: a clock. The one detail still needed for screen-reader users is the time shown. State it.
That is 10:49
